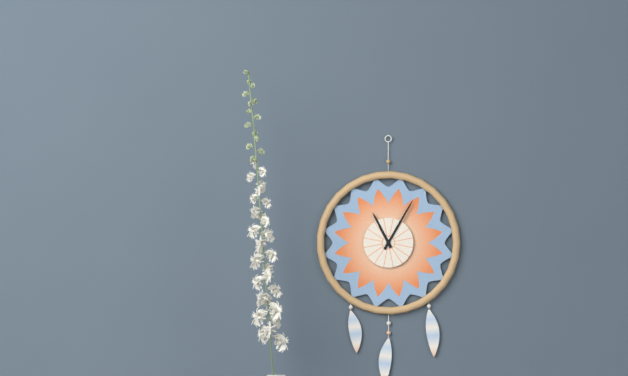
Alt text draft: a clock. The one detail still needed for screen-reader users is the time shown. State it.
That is 11:05
